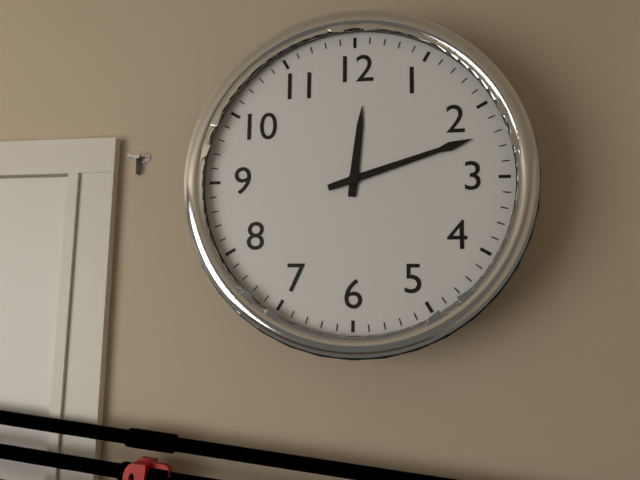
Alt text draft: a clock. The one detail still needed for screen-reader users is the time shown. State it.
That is 12:12
